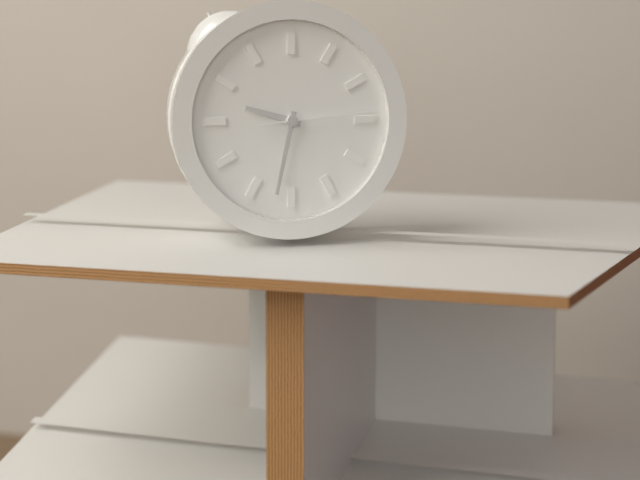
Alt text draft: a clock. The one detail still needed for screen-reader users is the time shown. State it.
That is 9:32:14
